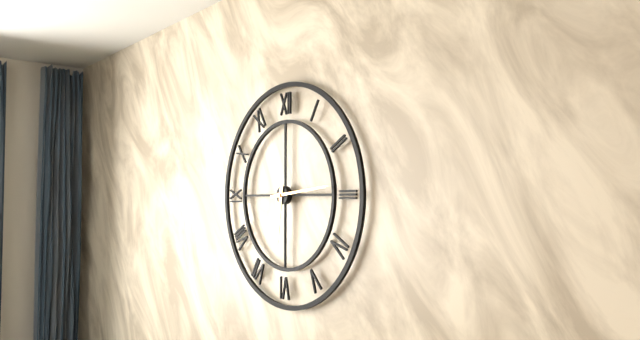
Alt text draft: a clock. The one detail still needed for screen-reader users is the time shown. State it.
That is 6:14
